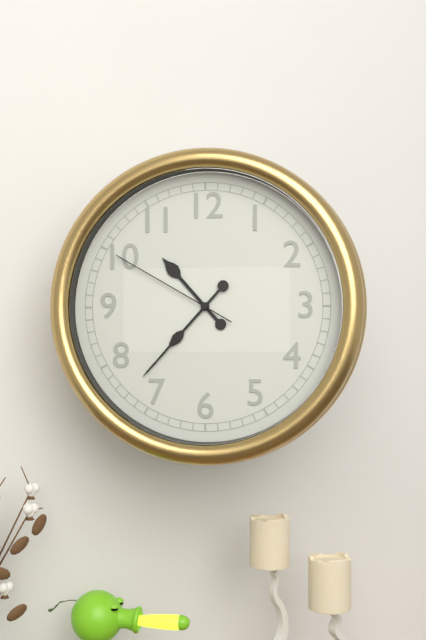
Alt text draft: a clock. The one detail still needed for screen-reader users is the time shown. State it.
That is 10:37:50
